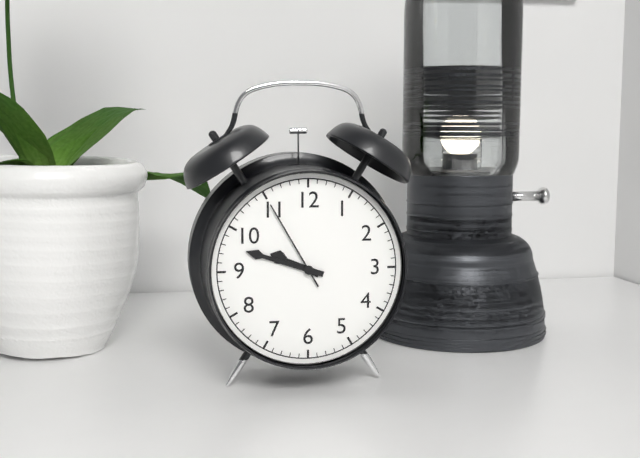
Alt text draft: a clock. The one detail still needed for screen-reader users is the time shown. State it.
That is 9:48:55
